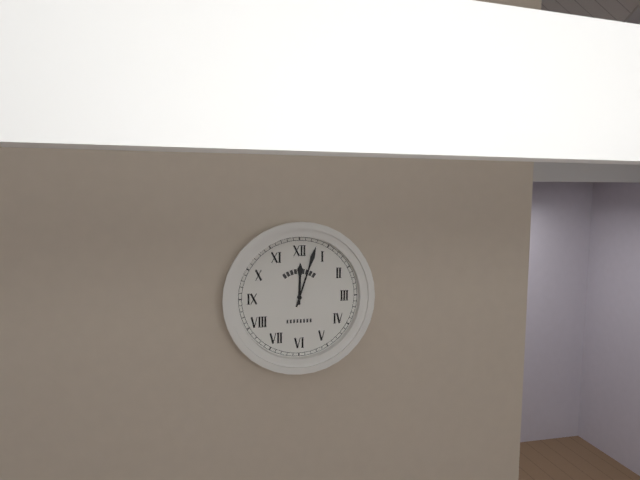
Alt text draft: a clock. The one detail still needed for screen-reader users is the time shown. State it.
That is 12:03
